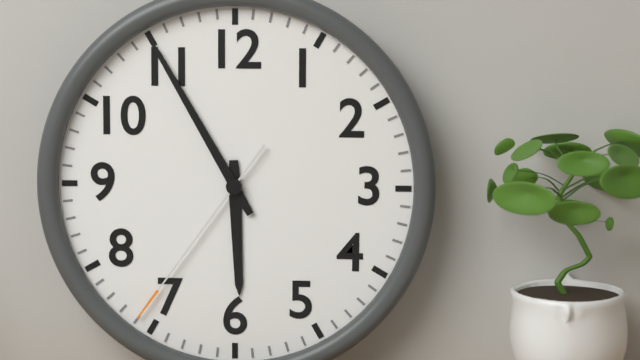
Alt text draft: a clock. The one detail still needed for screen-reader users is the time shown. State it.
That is 5:55:36
